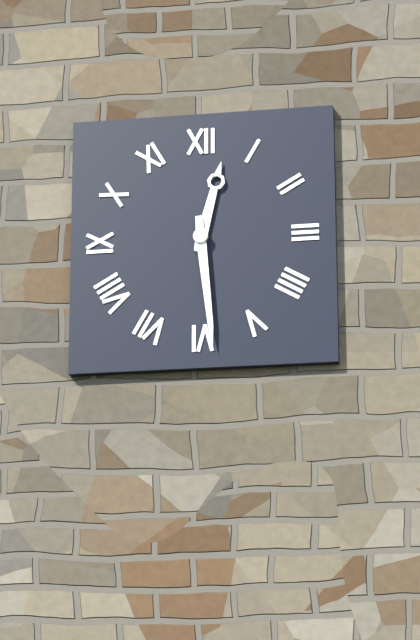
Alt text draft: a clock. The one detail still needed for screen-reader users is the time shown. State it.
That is 12:29
